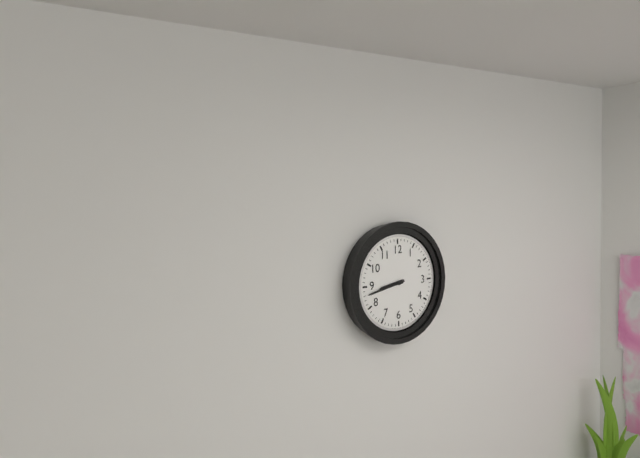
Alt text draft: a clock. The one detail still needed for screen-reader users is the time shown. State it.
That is 8:43
